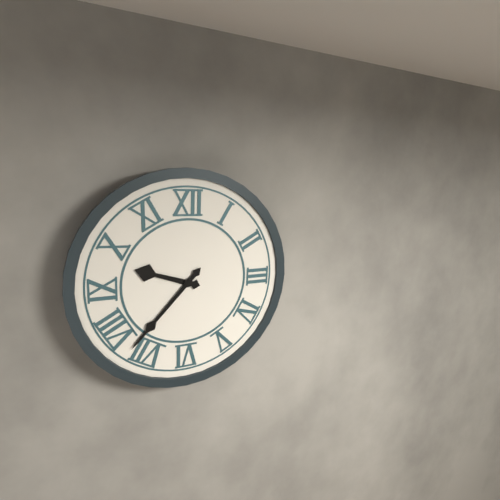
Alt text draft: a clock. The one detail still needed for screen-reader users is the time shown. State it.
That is 9:37
